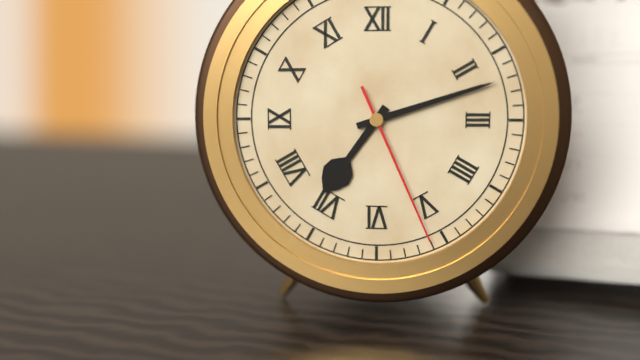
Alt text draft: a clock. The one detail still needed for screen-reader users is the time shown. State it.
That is 7:12:26
